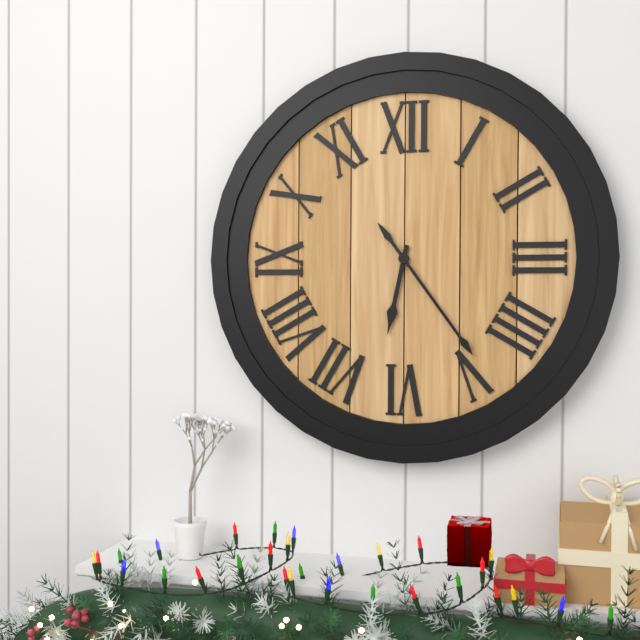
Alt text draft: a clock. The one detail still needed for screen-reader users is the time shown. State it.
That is 6:24
